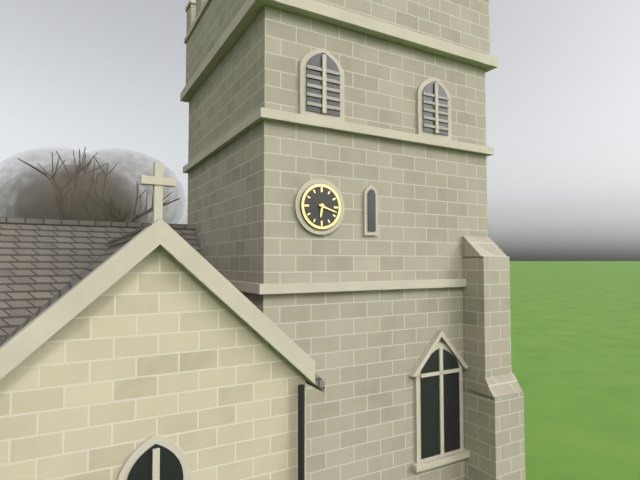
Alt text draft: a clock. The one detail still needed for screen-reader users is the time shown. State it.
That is 6:18
